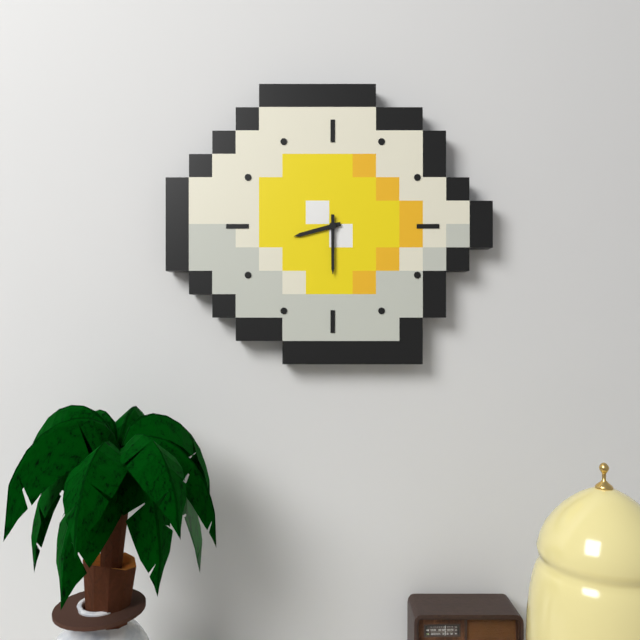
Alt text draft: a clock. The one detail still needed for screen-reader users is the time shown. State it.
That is 8:30
